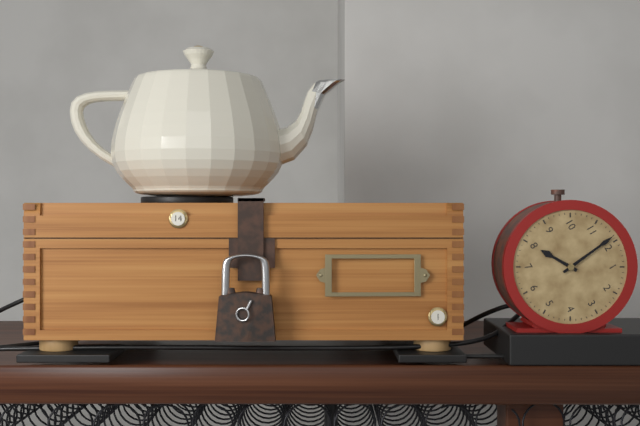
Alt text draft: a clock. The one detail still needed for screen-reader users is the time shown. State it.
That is 7:59
